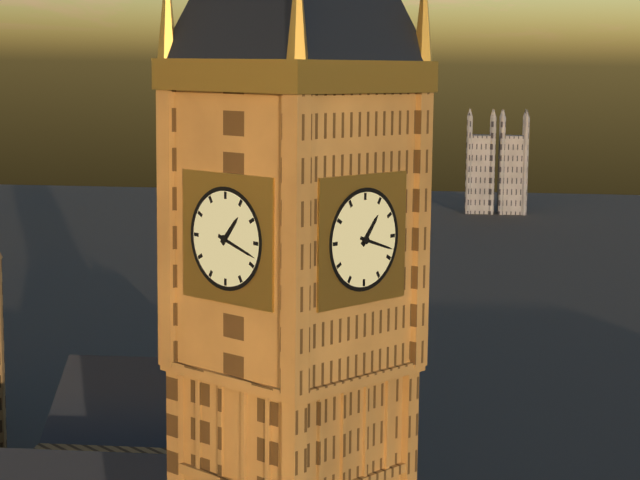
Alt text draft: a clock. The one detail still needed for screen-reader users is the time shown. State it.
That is 1:18
